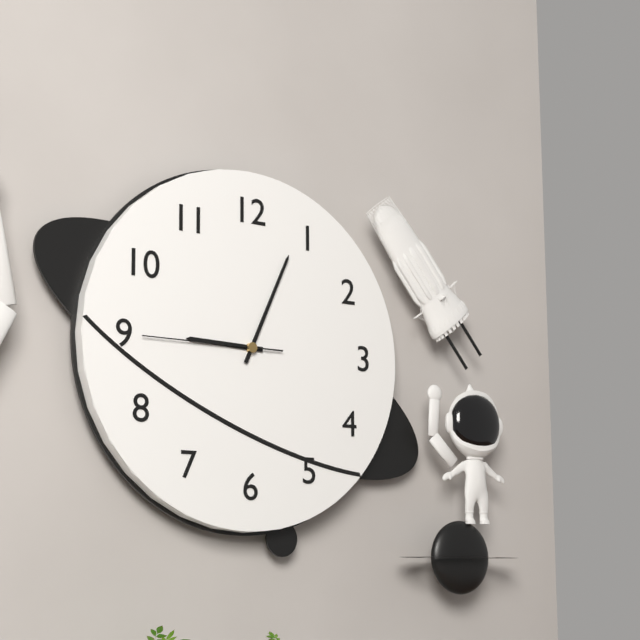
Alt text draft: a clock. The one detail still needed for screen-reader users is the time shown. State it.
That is 9:04:45
